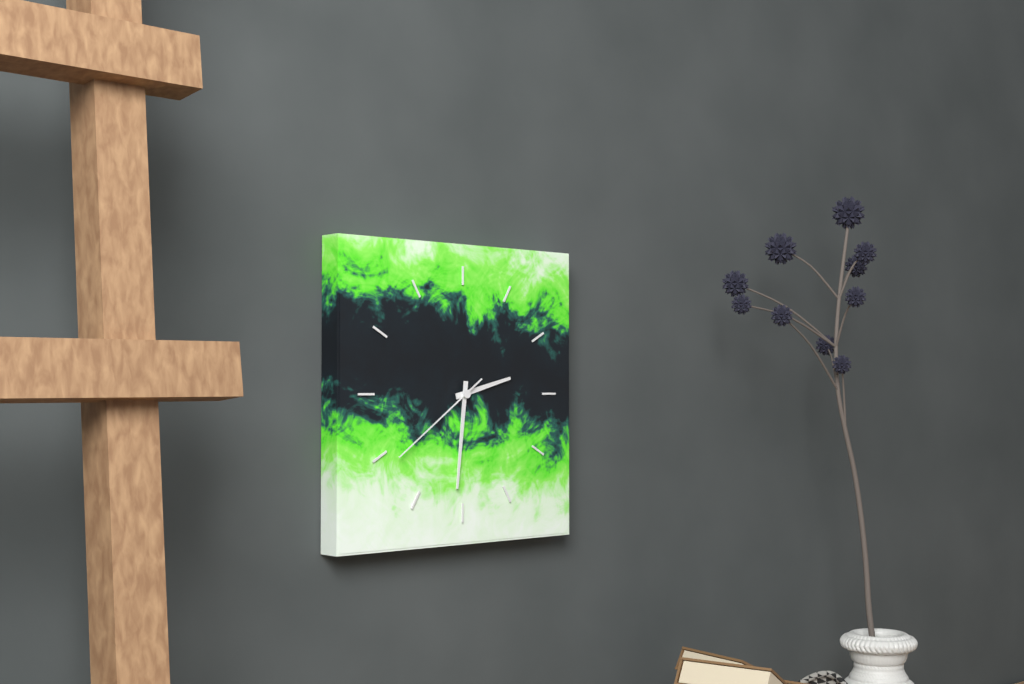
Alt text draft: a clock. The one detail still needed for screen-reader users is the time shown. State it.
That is 2:31:39
